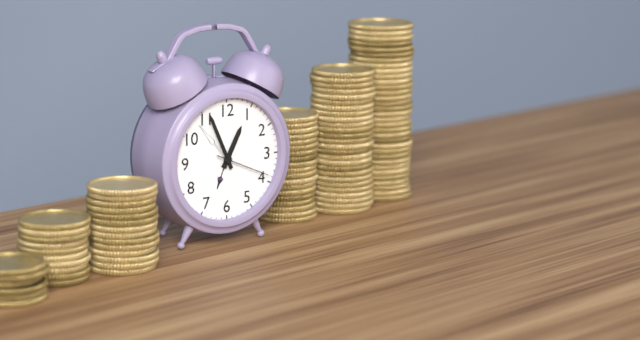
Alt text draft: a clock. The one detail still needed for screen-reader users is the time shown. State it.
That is 12:56:19
